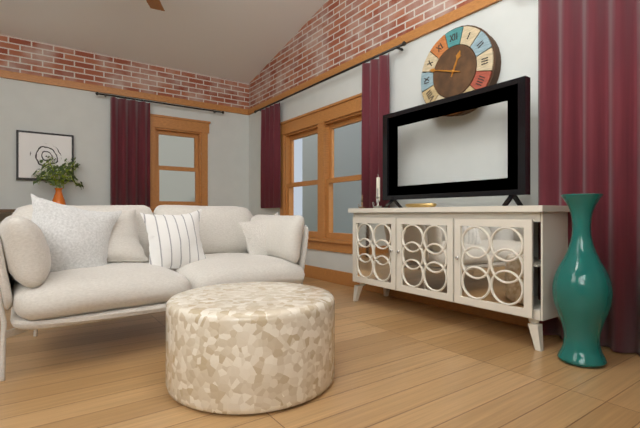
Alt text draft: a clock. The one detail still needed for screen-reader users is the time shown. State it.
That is 12:48
